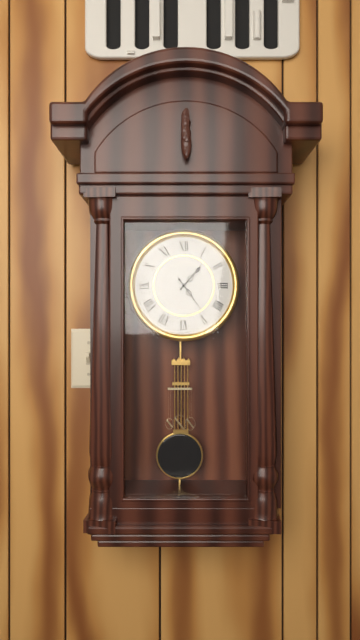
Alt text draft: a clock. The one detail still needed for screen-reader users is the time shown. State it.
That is 1:24
